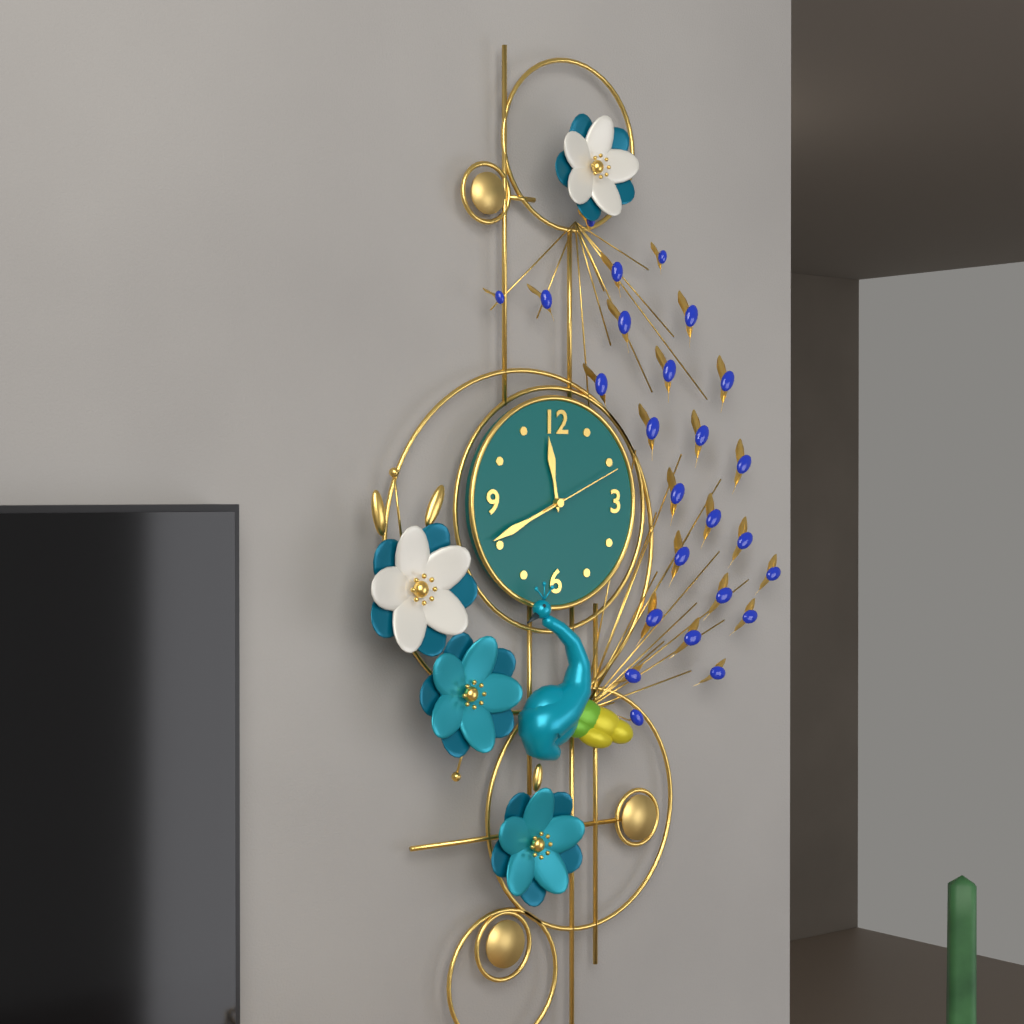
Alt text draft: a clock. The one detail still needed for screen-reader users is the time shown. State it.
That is 11:41:11
